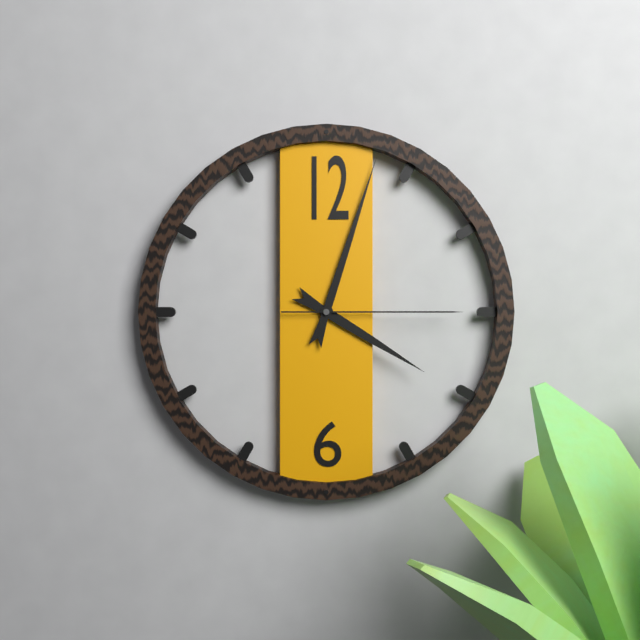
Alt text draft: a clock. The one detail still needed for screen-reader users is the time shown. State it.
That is 4:03:15
